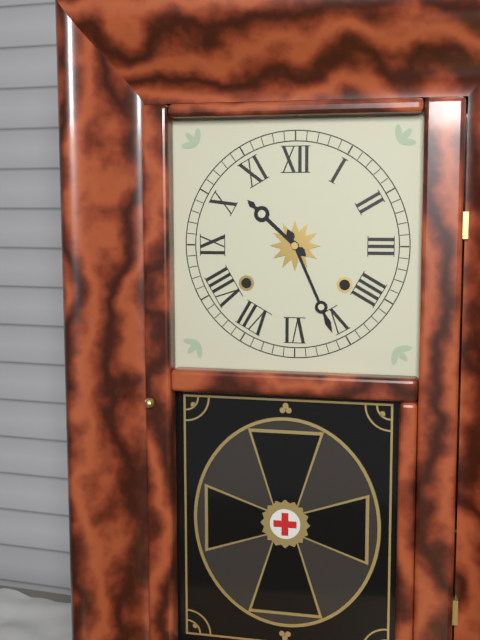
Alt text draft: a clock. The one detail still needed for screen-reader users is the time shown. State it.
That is 10:26
